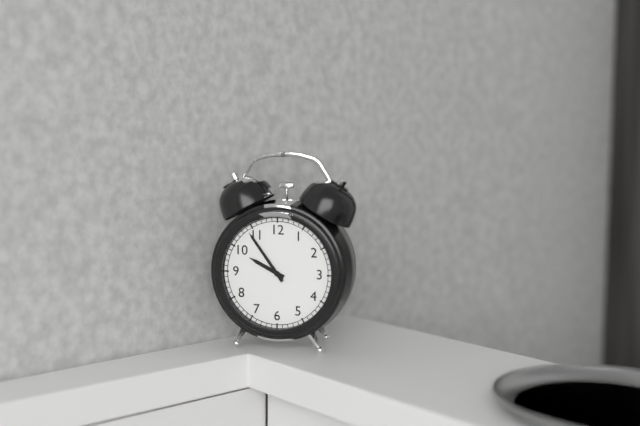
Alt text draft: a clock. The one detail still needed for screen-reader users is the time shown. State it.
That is 9:54
